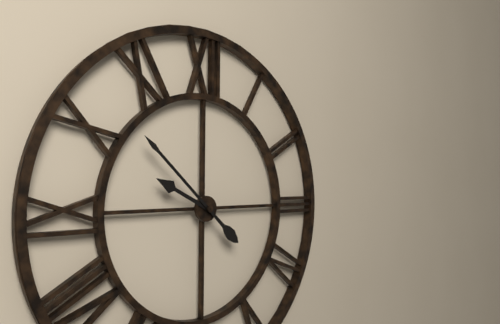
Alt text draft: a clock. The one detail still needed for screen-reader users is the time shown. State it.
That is 9:52
